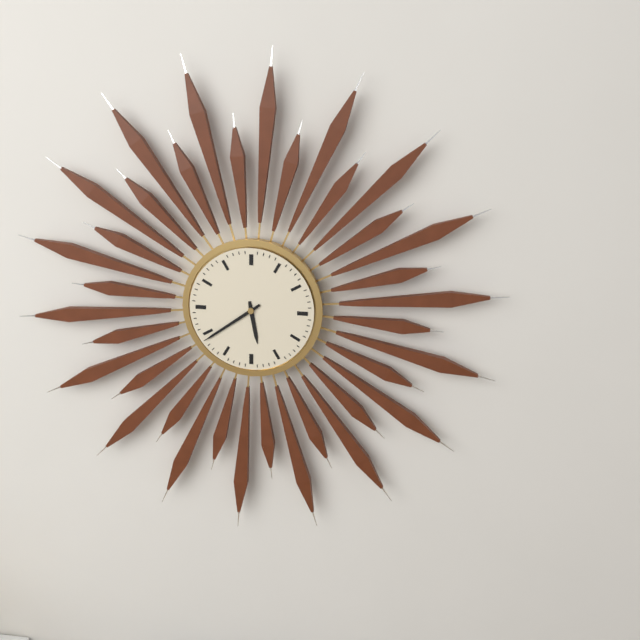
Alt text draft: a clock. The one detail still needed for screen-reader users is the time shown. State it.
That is 5:39
